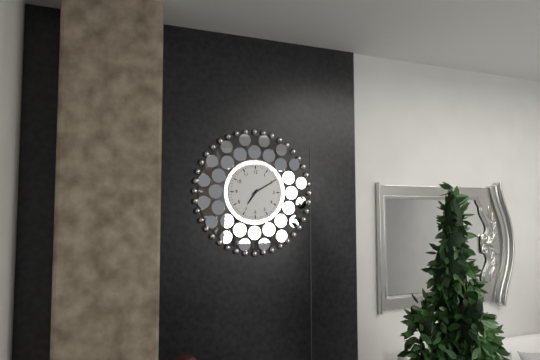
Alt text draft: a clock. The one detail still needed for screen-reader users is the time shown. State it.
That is 7:10
